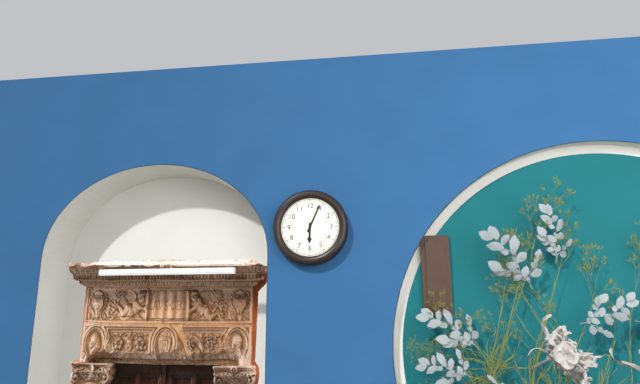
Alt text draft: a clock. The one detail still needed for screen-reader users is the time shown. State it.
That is 6:04
